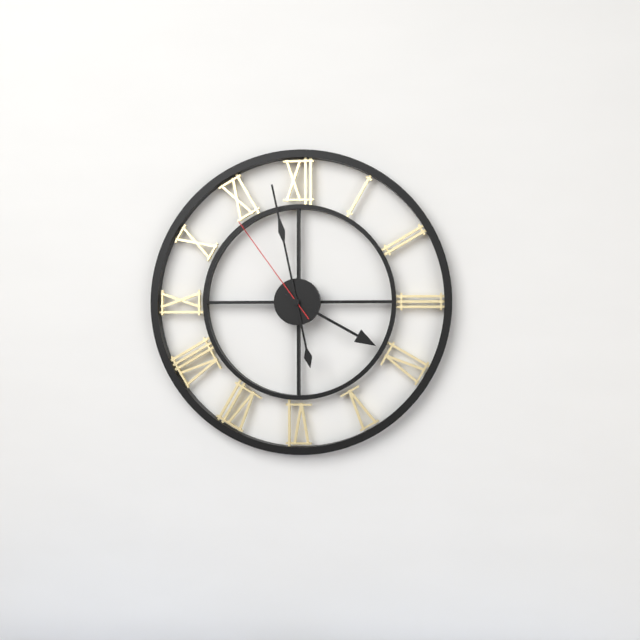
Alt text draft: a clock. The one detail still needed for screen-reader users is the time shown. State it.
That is 3:58:54
